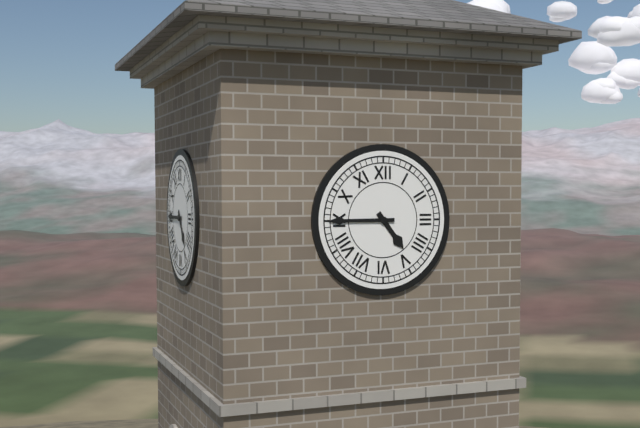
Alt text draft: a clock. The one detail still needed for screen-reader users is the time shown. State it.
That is 4:45
